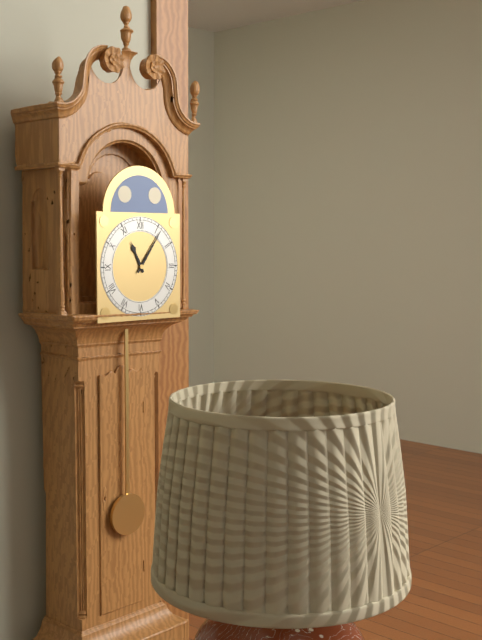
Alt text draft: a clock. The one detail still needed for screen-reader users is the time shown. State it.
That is 11:06
